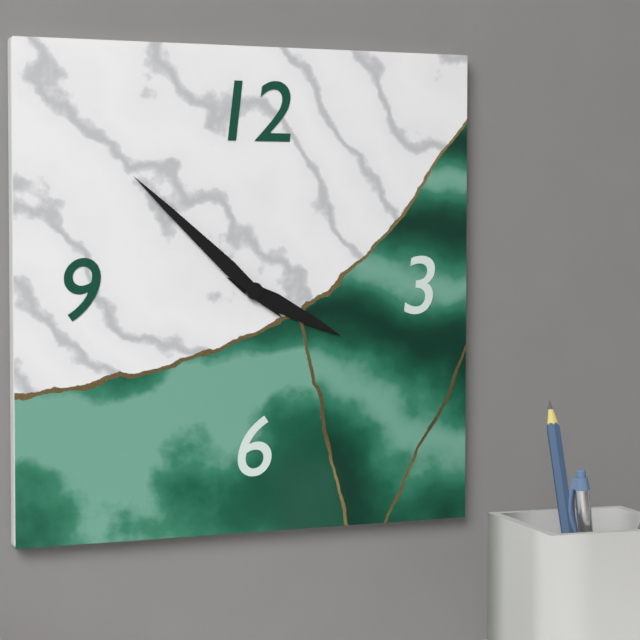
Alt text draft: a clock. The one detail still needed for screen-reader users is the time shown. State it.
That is 3:52
